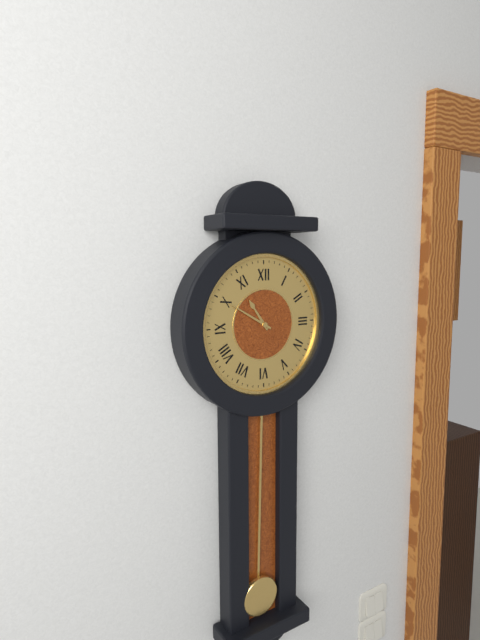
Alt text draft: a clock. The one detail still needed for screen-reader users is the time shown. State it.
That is 10:50
